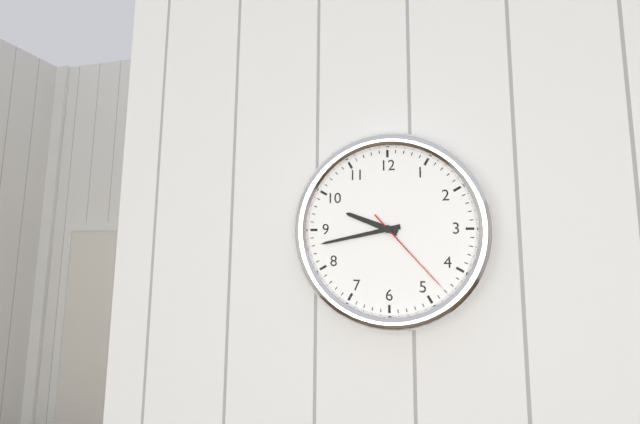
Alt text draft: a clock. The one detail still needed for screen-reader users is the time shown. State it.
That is 9:43:23
